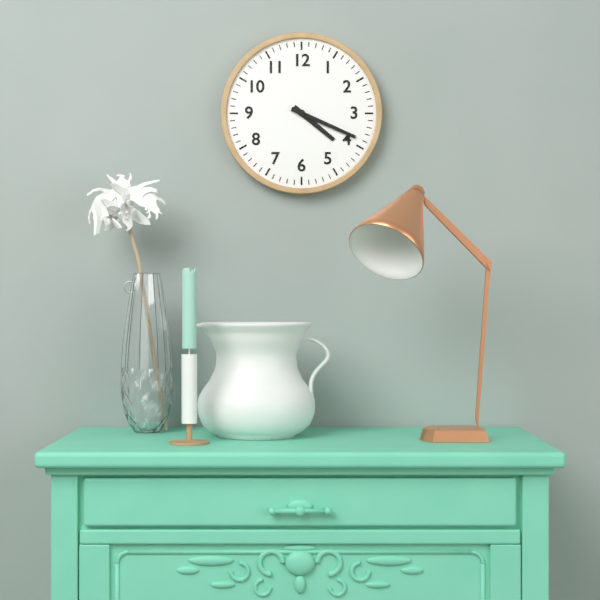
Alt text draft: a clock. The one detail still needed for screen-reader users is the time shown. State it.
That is 4:19
